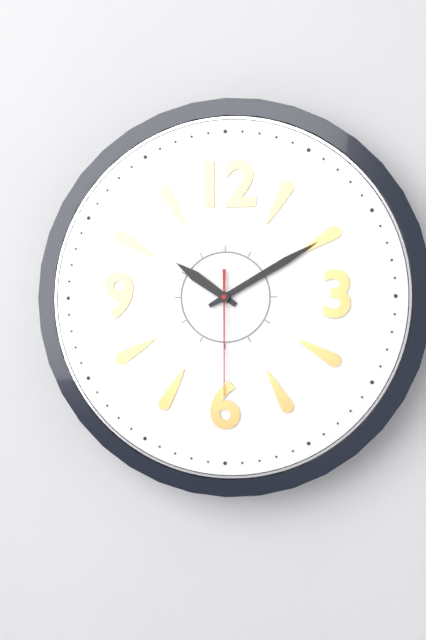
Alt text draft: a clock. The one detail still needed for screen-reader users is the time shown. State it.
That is 10:10:30
